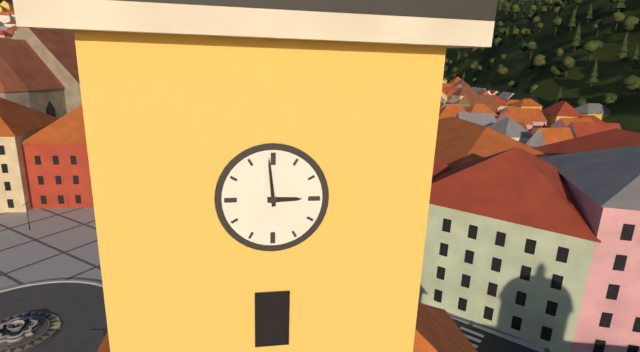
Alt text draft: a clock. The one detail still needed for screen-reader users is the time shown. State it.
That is 2:59
